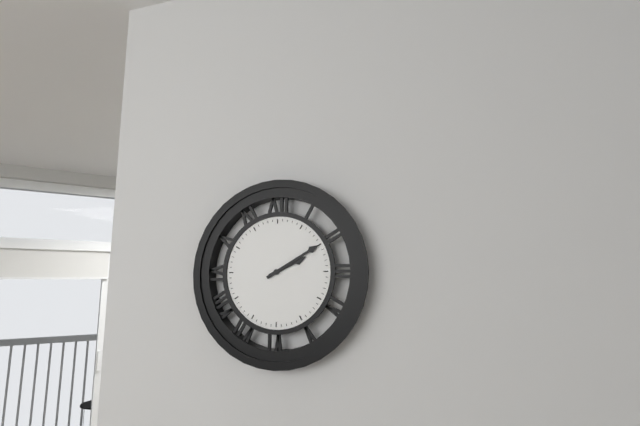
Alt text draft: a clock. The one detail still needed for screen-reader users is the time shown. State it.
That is 2:10
